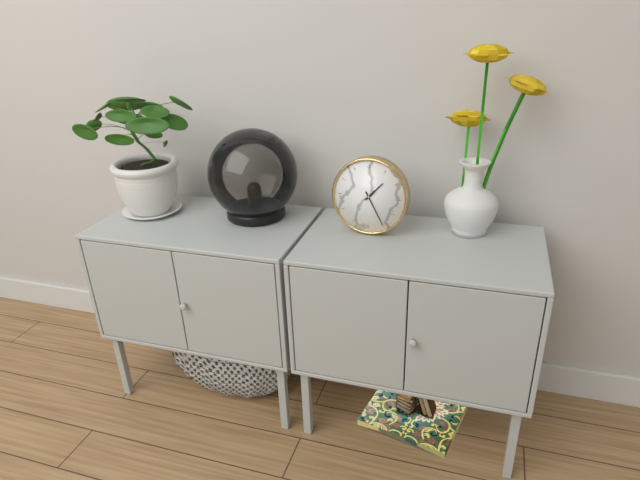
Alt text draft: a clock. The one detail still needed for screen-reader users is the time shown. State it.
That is 1:25
